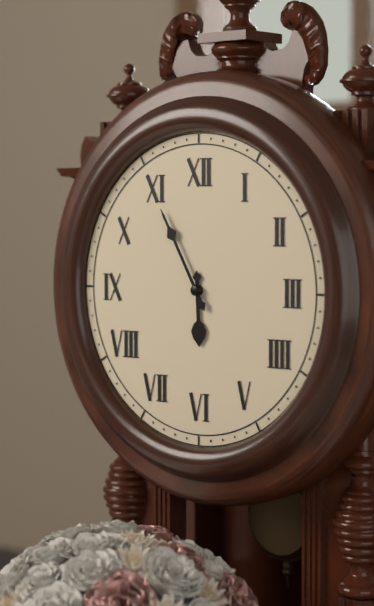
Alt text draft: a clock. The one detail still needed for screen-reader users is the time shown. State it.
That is 5:55
